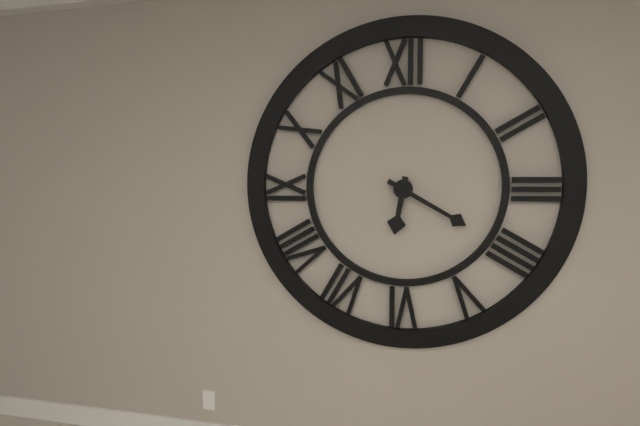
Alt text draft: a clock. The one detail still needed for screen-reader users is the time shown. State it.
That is 6:20
